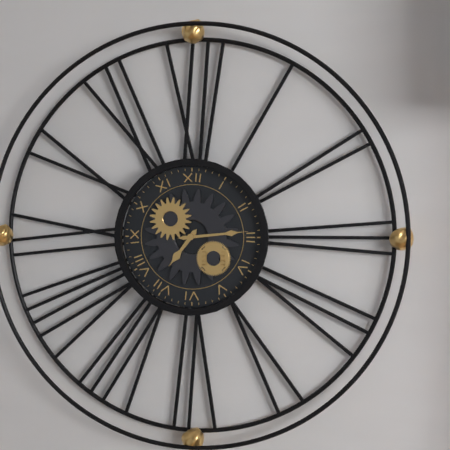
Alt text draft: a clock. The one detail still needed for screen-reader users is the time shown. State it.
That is 7:14
